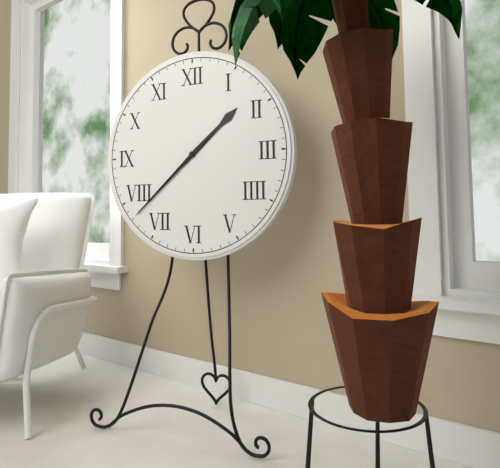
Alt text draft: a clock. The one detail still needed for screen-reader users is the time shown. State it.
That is 1:38
